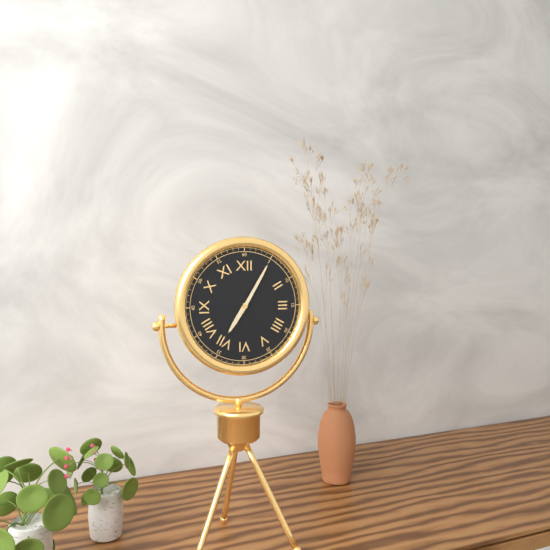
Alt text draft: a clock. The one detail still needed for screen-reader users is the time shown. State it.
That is 7:05
